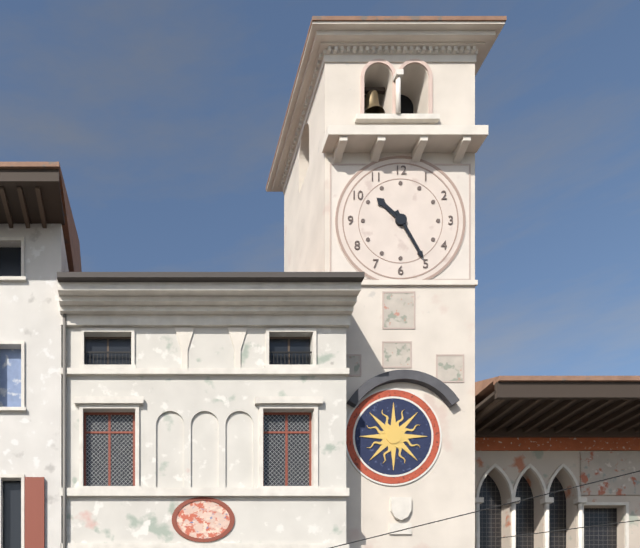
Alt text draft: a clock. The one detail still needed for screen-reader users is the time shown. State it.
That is 10:25
